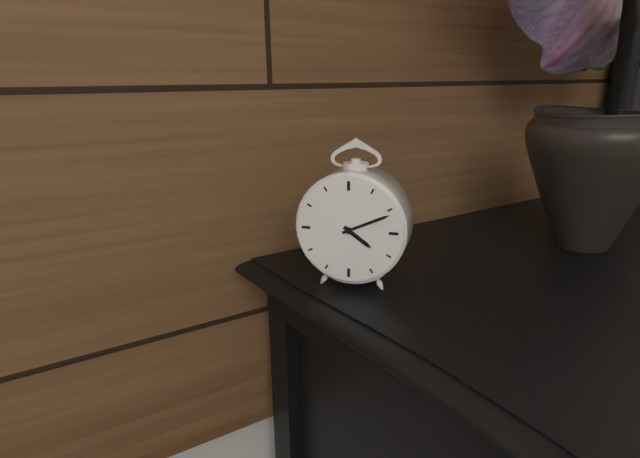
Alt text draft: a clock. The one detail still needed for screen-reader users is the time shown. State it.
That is 4:11
